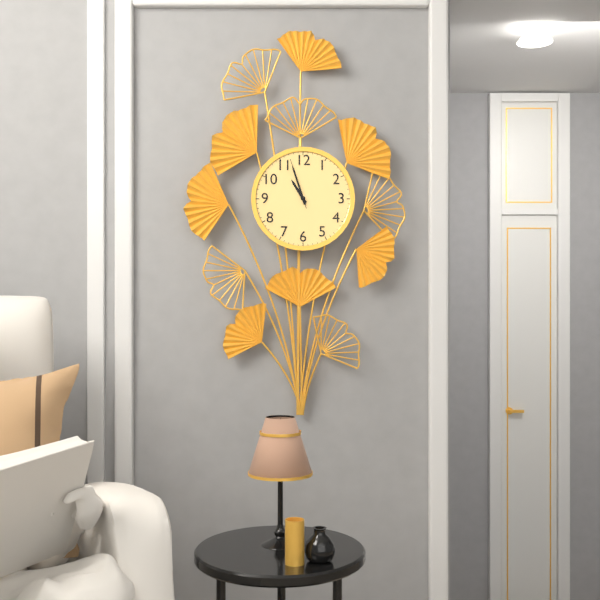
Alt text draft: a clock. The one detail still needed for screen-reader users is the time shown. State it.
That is 10:57:57
